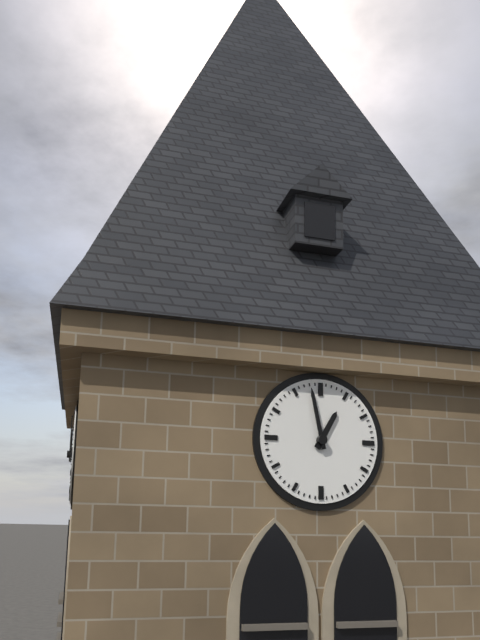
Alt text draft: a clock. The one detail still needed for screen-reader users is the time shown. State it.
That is 12:58
